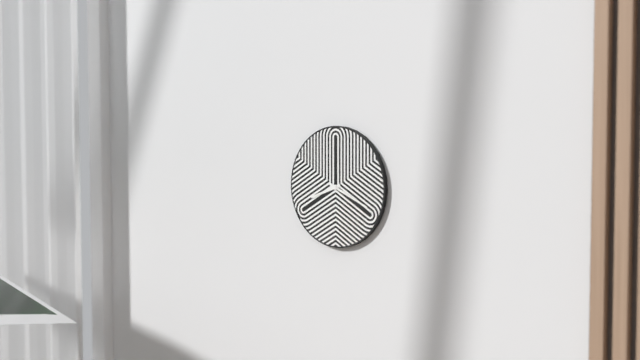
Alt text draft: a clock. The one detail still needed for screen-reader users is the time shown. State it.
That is 8:19
